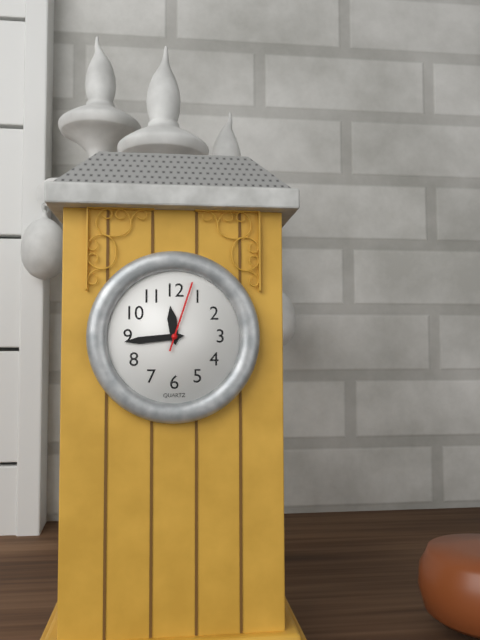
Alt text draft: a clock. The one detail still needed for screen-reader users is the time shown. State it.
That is 11:44:03
